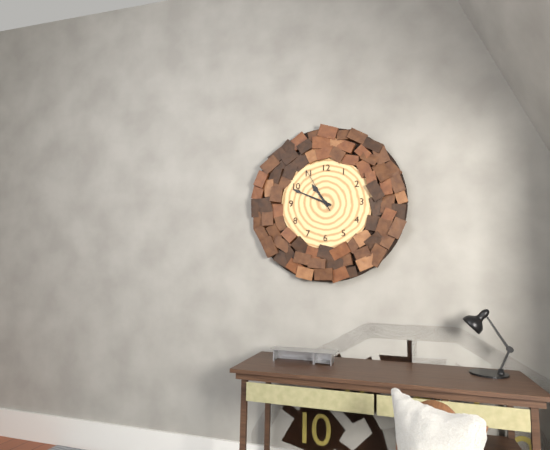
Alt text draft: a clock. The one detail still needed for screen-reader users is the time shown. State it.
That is 10:49
